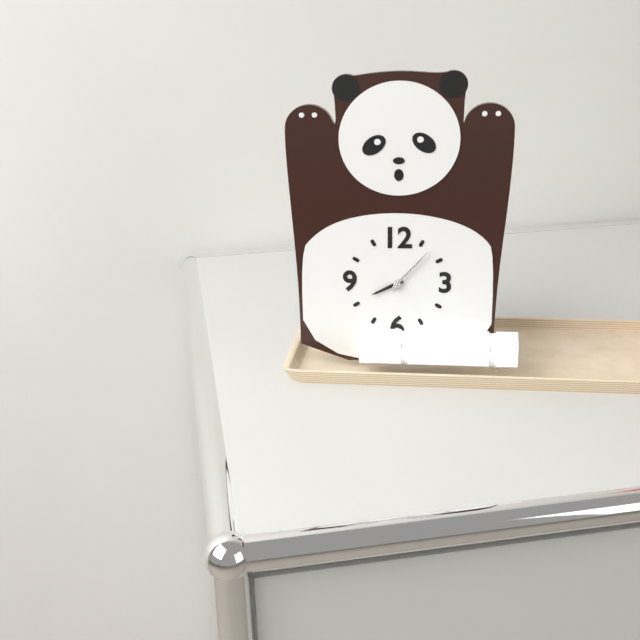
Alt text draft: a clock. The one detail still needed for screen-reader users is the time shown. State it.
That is 8:07
